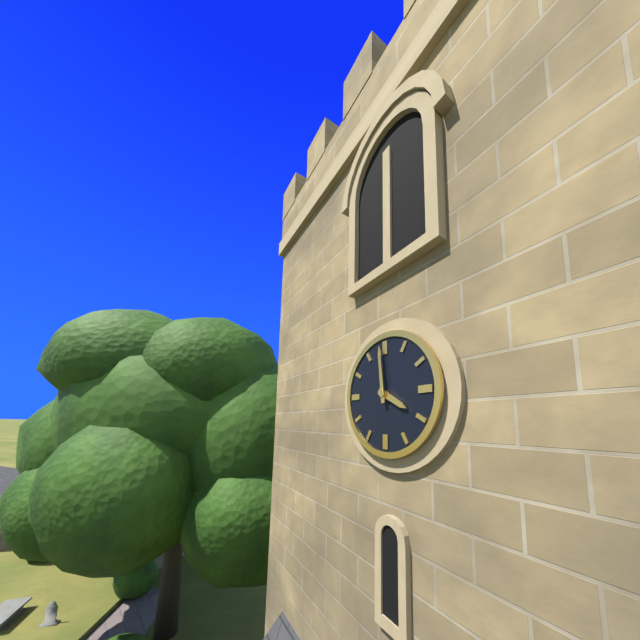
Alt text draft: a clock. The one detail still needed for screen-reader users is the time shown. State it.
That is 3:59
